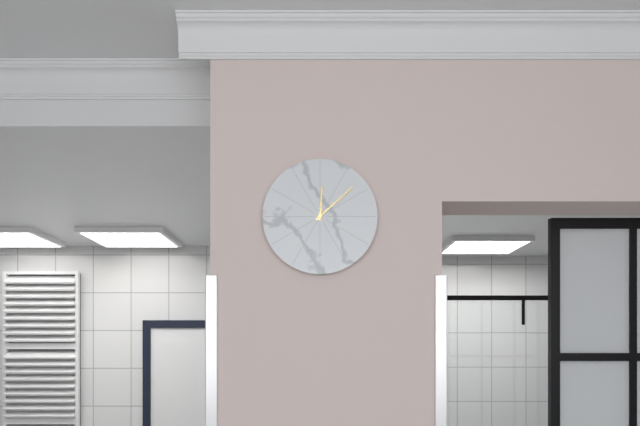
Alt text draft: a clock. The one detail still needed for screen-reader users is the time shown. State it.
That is 12:08
